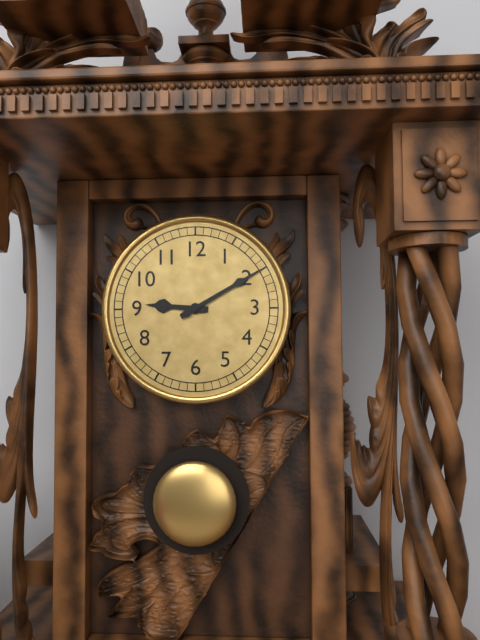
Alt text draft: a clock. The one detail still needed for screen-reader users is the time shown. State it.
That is 9:10
